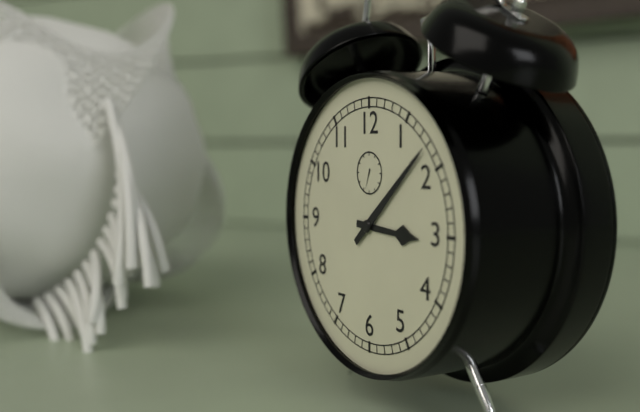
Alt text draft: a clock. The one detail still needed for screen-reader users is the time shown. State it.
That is 3:08
